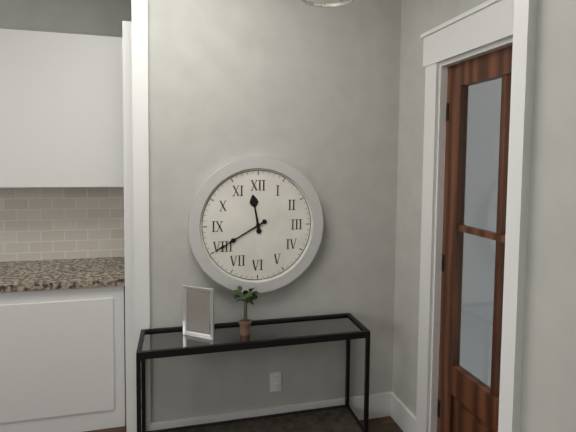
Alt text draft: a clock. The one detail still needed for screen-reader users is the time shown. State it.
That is 11:40
